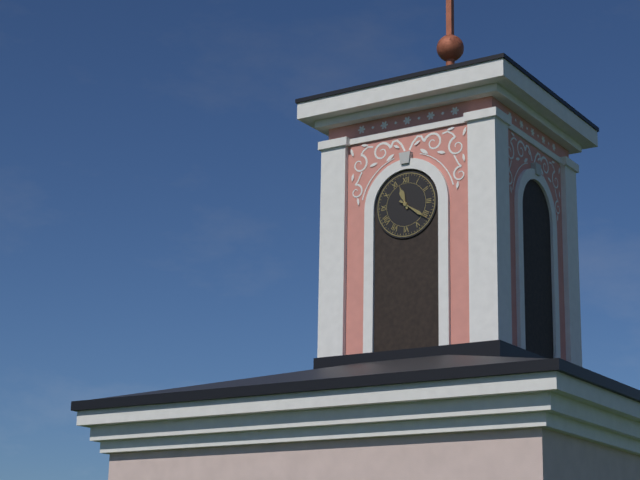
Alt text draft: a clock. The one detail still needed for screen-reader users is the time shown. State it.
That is 11:21
